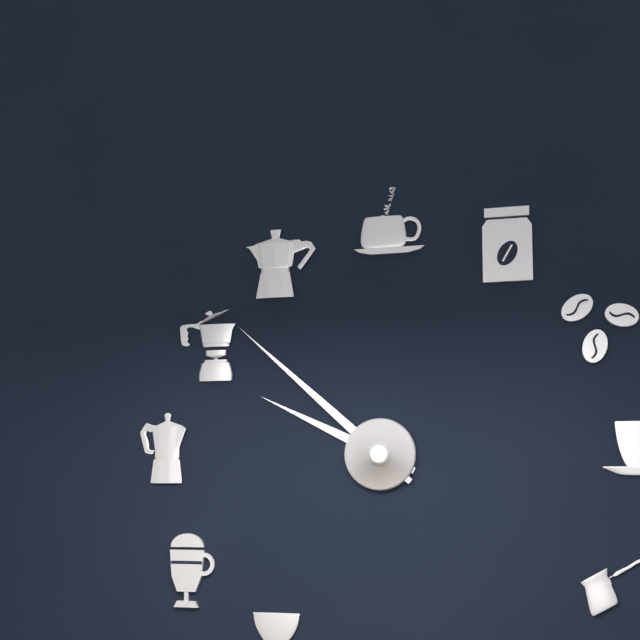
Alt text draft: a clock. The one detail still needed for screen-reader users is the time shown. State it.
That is 9:52
